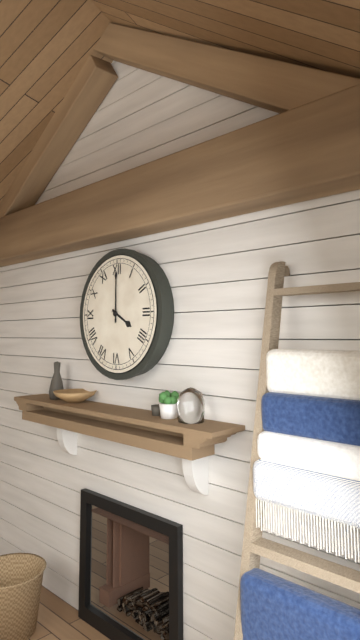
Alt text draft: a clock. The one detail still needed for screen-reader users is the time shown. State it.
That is 4:00
